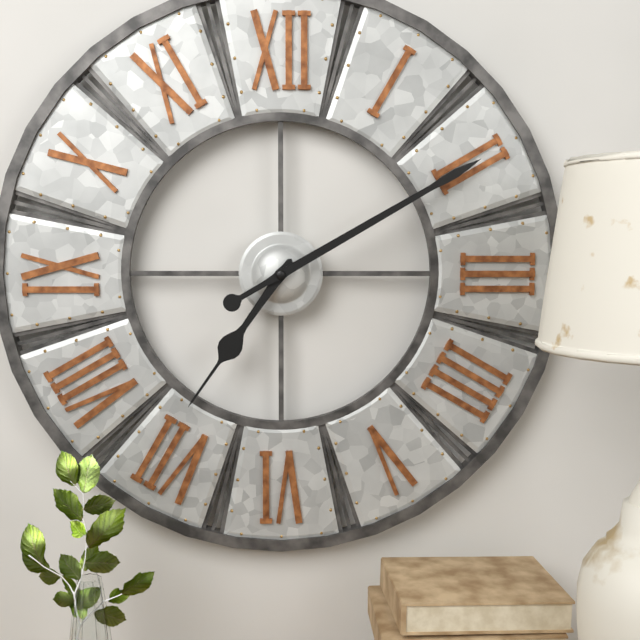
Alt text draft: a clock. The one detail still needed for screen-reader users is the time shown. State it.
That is 7:10
